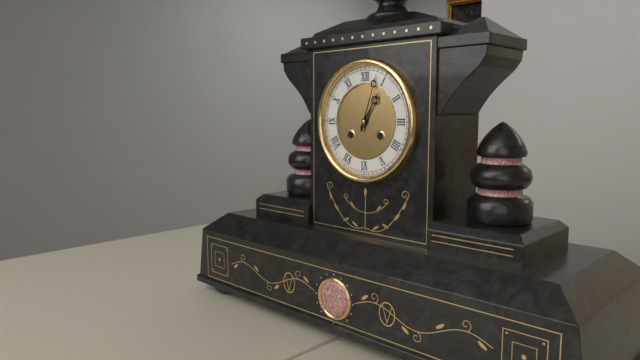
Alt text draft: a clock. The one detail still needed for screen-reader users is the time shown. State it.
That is 1:03
